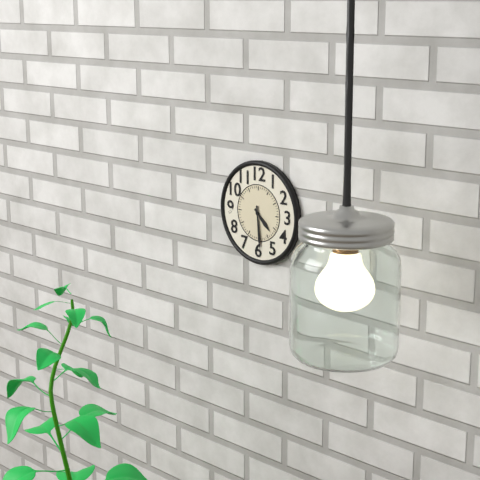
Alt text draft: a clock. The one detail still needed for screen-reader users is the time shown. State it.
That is 4:29
